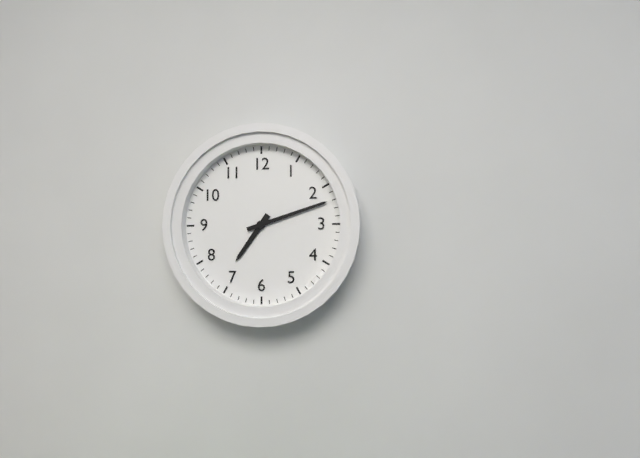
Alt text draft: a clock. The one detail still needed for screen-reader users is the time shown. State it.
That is 7:12
